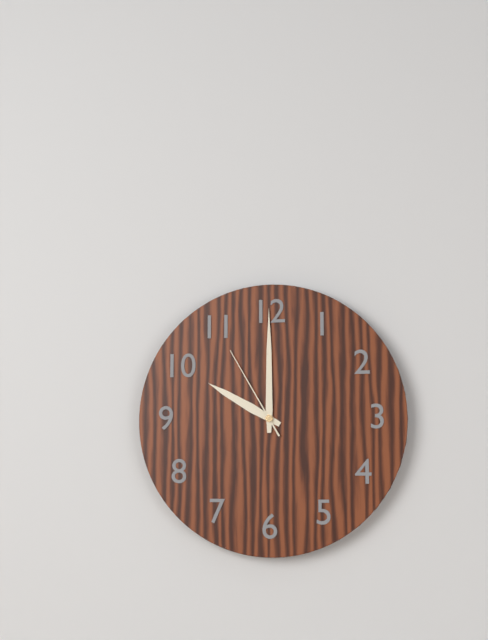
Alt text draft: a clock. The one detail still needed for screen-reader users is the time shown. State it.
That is 10:00:55
